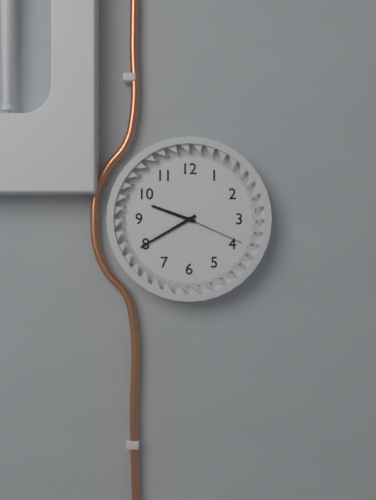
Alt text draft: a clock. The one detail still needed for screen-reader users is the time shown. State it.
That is 9:40:19
